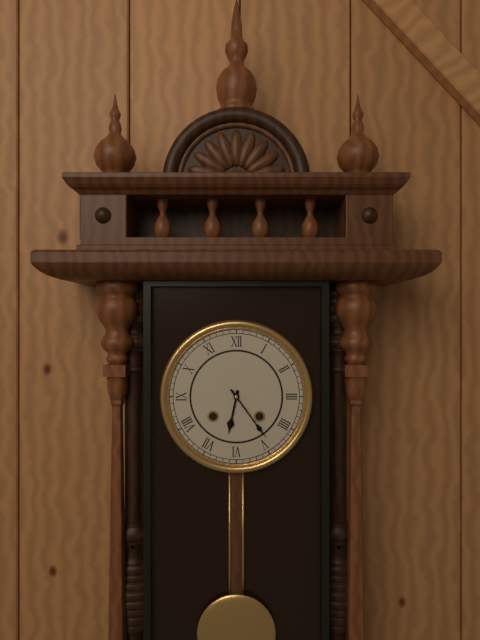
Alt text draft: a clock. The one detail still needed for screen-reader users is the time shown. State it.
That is 6:24
